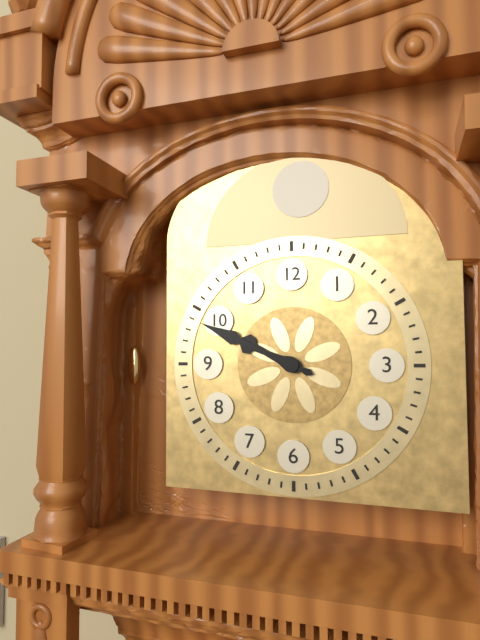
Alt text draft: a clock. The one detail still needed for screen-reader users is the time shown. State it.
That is 9:49
